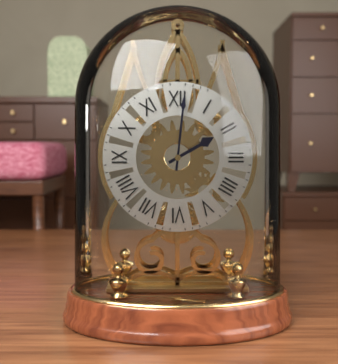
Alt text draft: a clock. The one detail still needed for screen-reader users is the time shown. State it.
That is 2:01
